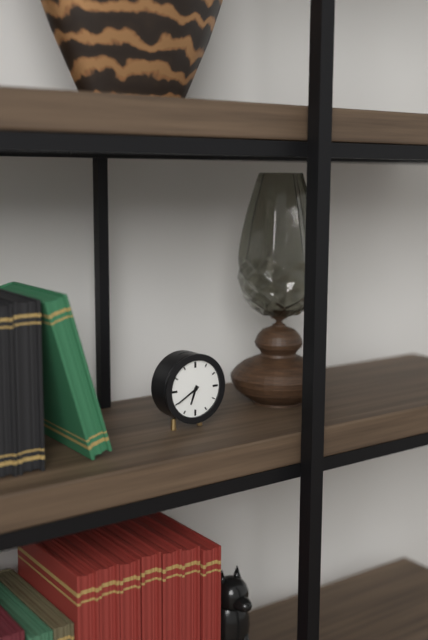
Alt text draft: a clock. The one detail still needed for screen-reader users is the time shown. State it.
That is 6:40
